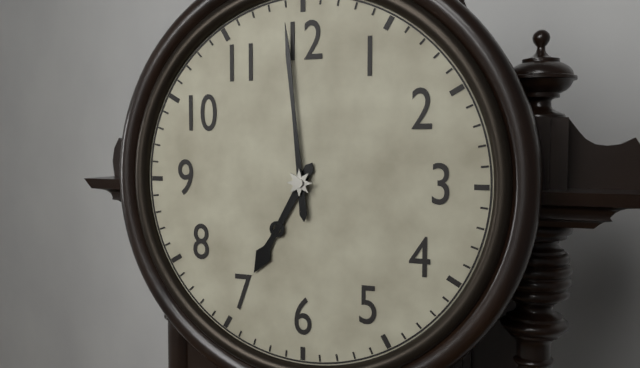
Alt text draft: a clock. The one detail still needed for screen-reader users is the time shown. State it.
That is 6:59
